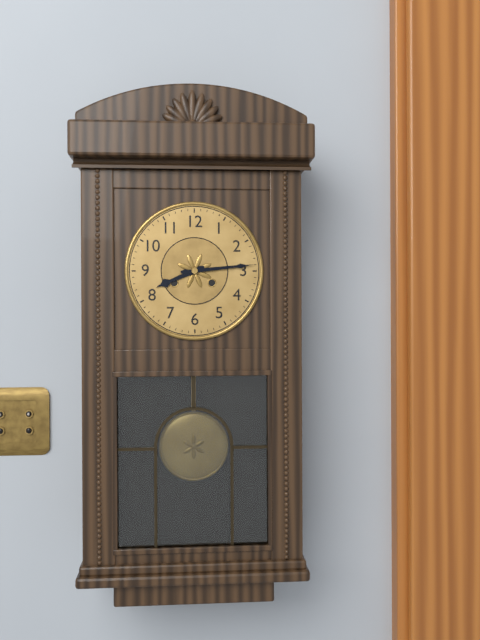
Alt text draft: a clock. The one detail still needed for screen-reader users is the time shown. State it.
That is 8:14
